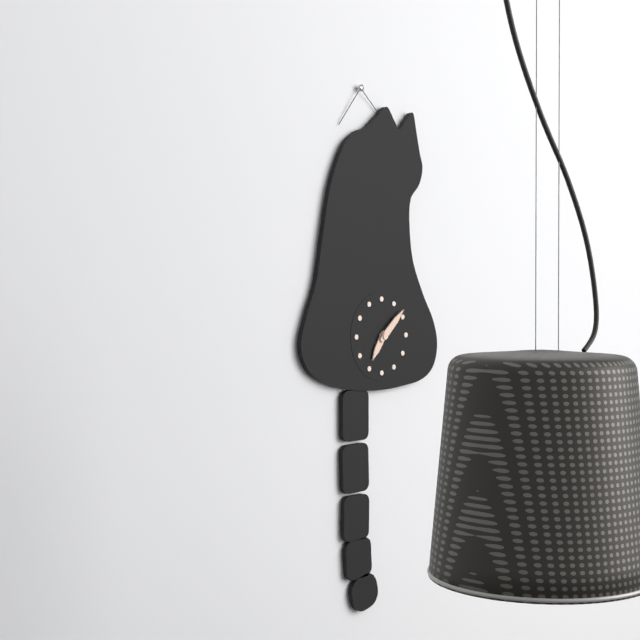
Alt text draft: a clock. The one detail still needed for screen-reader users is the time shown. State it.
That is 7:08
